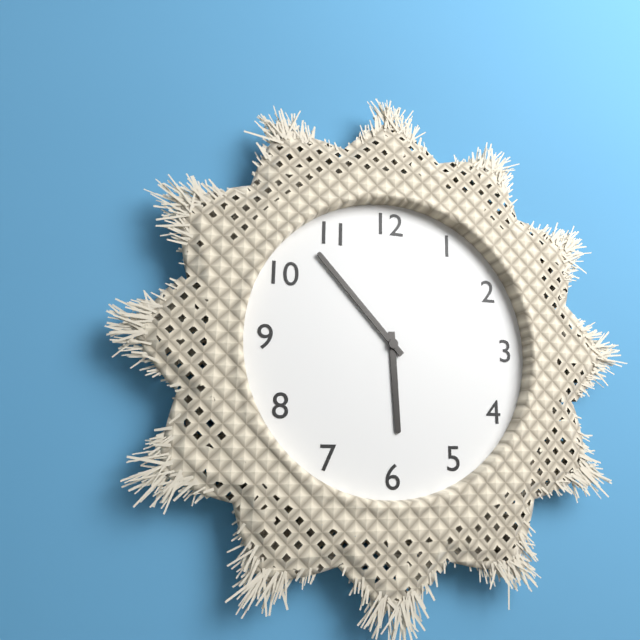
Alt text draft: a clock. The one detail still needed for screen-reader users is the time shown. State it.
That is 5:53
